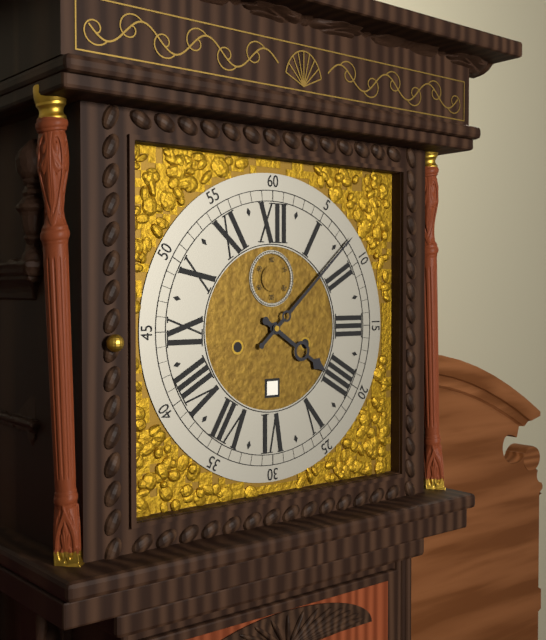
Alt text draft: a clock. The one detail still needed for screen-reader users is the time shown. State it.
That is 4:08
